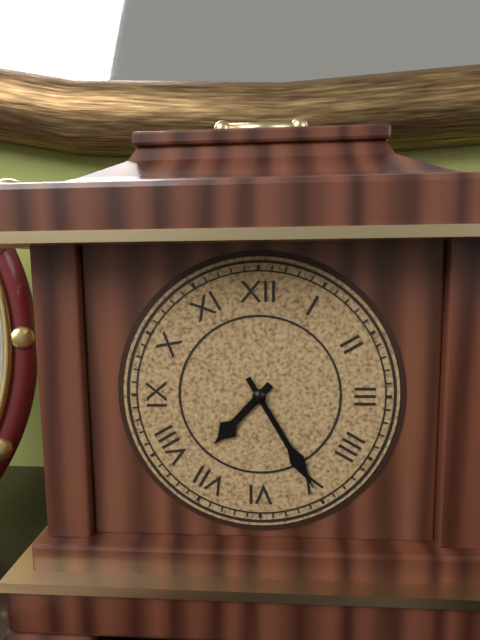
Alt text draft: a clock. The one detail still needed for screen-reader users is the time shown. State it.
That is 7:25
